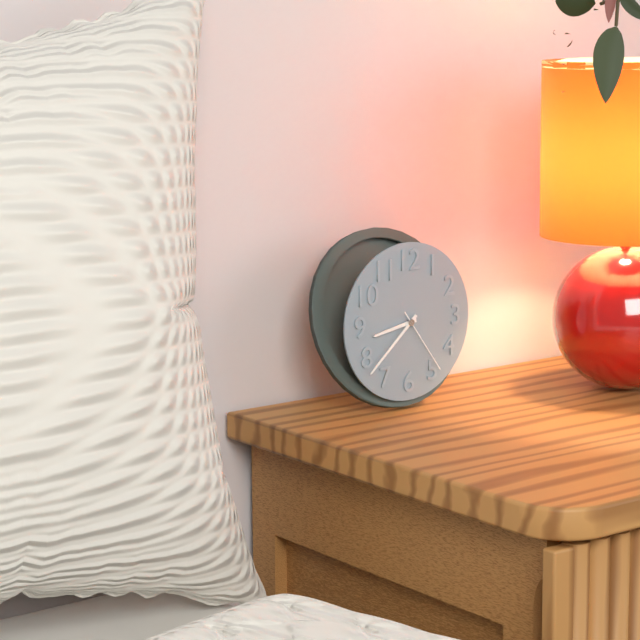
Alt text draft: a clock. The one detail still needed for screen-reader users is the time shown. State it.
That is 8:38:24
